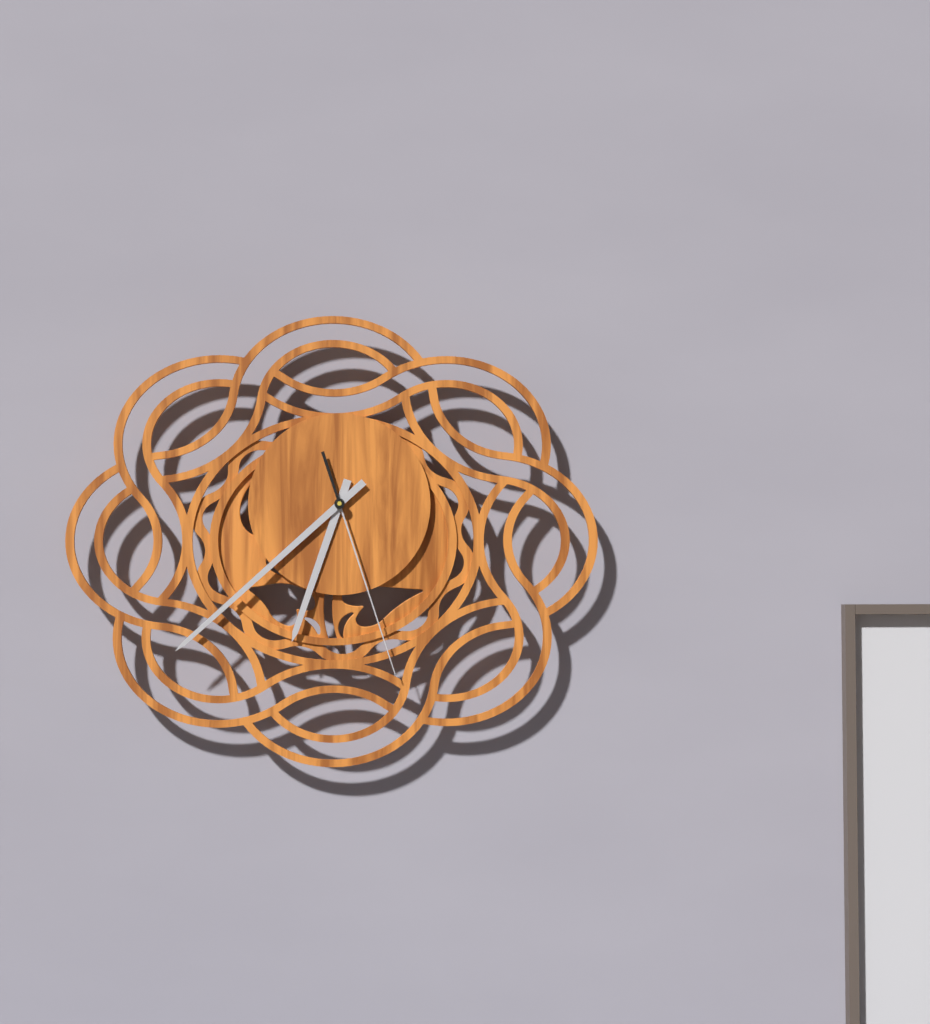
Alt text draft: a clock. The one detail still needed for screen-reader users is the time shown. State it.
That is 6:38:27
